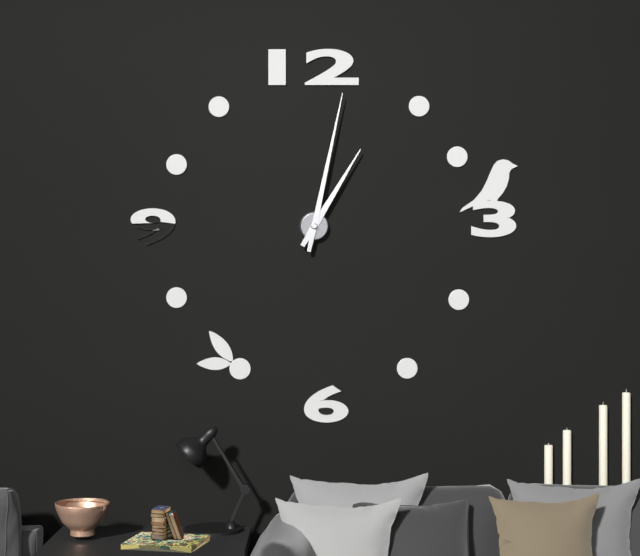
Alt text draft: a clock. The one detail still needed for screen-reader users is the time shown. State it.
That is 1:02
